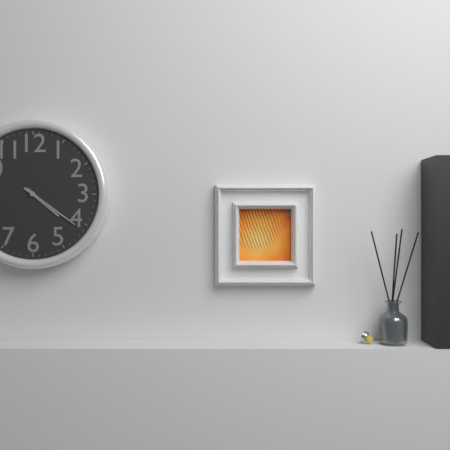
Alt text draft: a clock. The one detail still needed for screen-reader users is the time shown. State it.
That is 4:21
